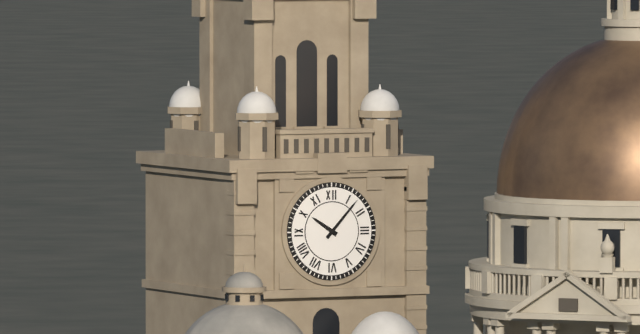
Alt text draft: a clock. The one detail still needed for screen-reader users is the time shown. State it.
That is 10:07
